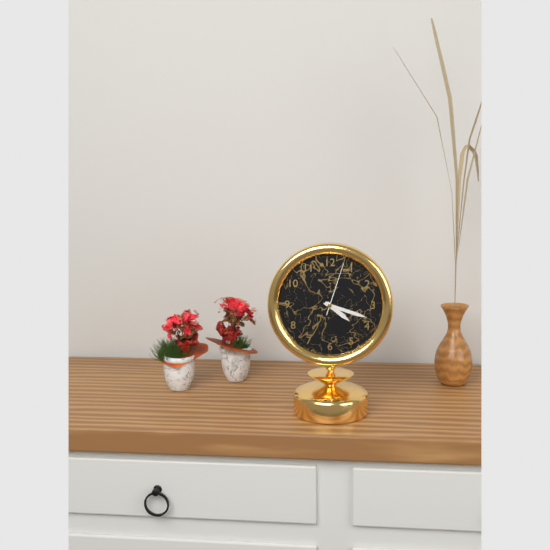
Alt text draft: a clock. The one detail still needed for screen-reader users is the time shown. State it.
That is 4:18:03
